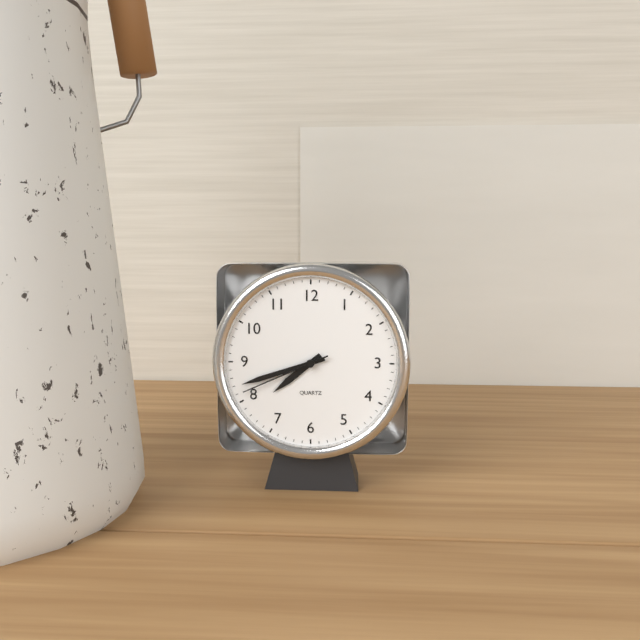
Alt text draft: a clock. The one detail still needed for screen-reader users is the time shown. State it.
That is 7:42:41
